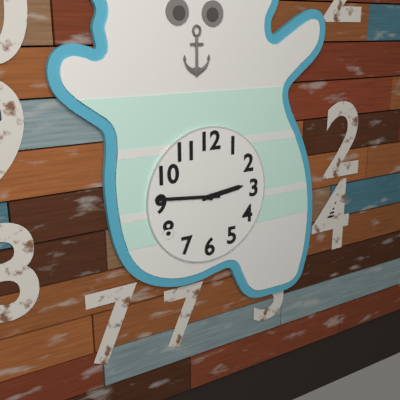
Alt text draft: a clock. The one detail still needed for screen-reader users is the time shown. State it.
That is 2:46
